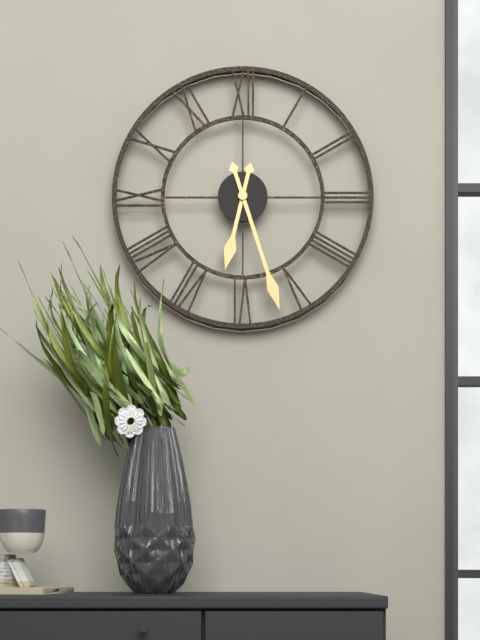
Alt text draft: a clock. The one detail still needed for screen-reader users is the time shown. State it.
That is 6:27
